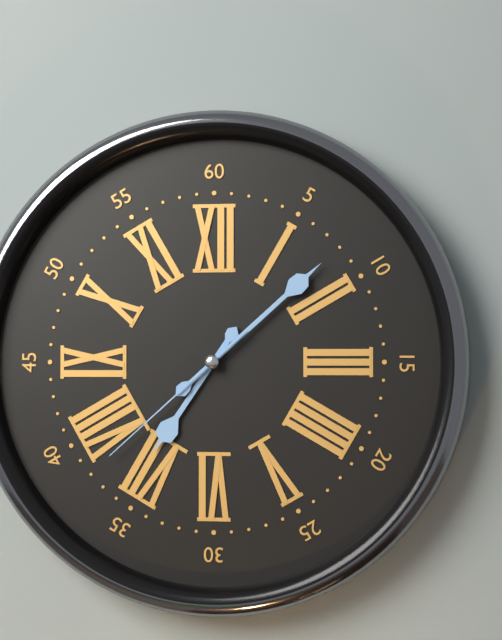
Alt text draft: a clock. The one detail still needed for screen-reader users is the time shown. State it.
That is 7:08:38
